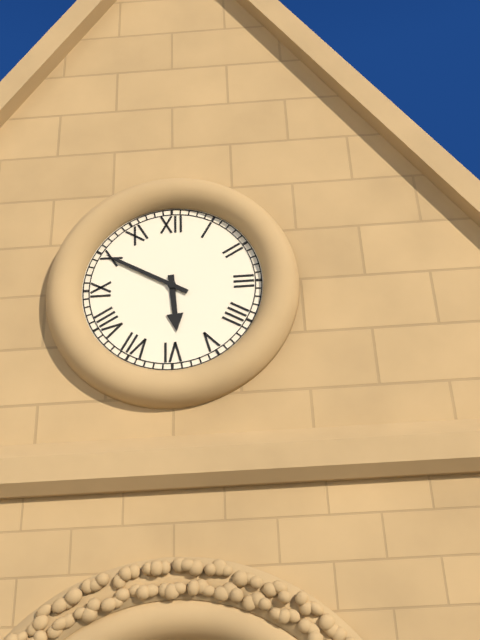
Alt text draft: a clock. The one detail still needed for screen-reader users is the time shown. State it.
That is 5:50
